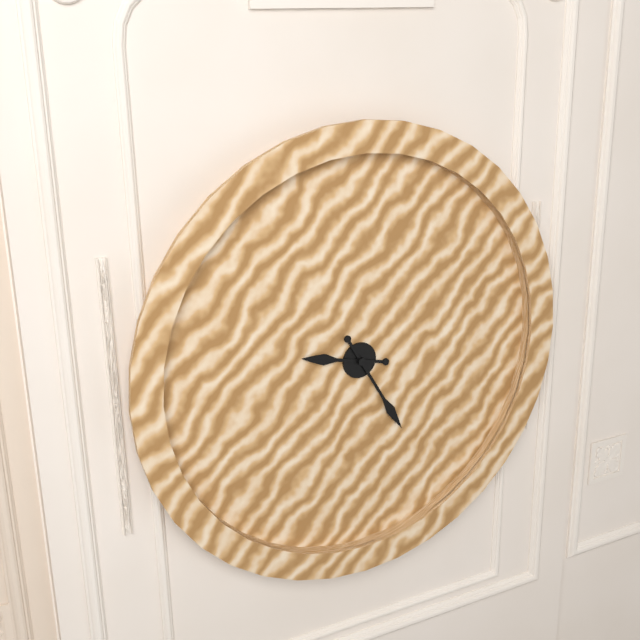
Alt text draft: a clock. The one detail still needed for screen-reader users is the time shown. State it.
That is 9:25
